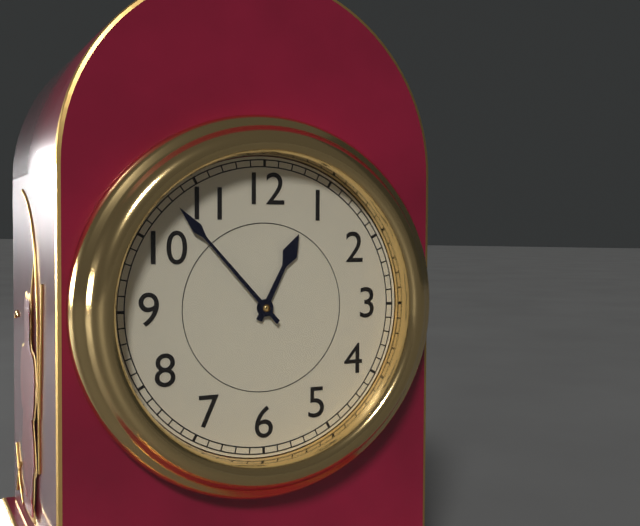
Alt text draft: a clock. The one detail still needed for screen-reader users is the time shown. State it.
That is 12:53
